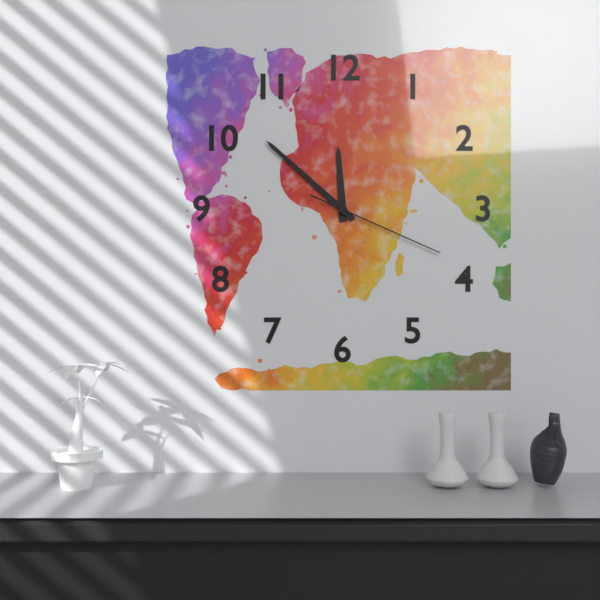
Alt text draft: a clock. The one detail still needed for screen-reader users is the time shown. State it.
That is 11:52:19
